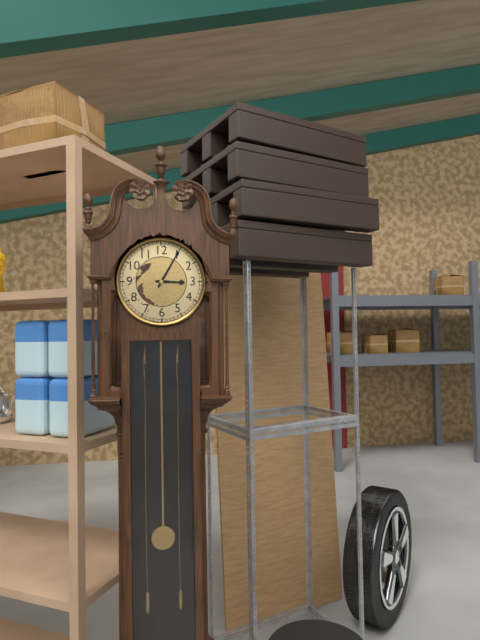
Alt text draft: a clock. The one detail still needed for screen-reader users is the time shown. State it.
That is 3:05
